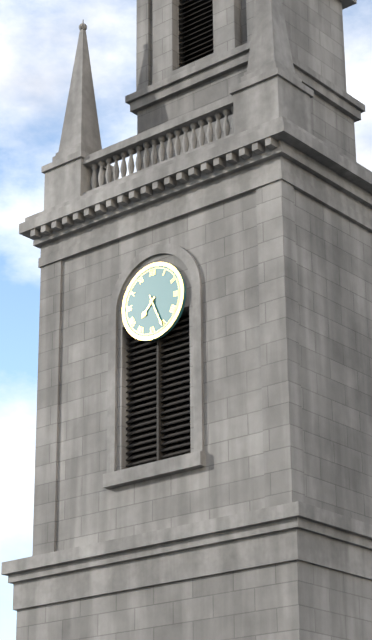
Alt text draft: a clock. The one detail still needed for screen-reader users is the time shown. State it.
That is 7:26
